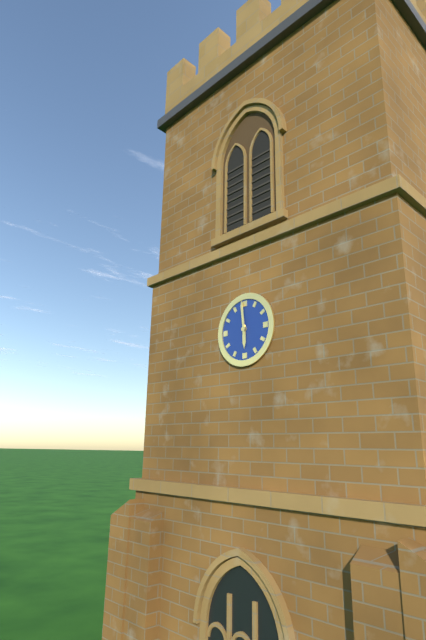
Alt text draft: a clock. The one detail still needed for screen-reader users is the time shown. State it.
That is 5:59
